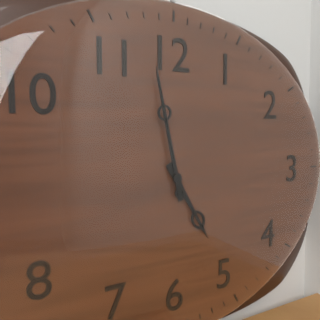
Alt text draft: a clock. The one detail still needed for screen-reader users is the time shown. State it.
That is 4:58
